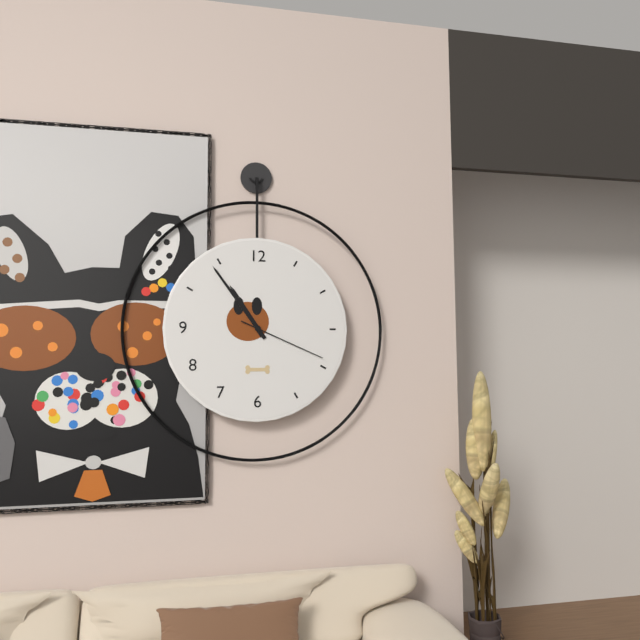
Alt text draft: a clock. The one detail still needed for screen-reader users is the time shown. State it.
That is 10:54:19
